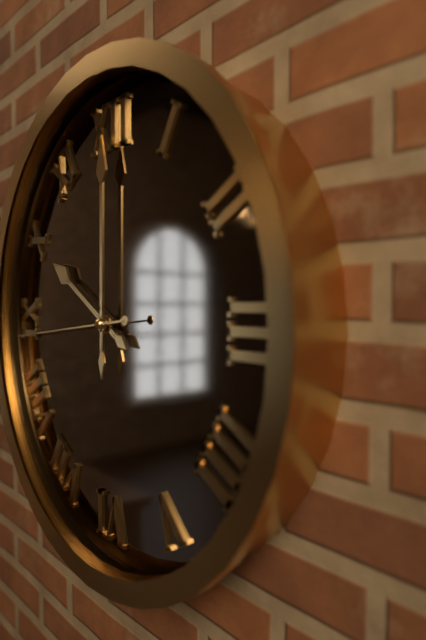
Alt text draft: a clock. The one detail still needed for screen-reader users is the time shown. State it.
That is 10:00:44
